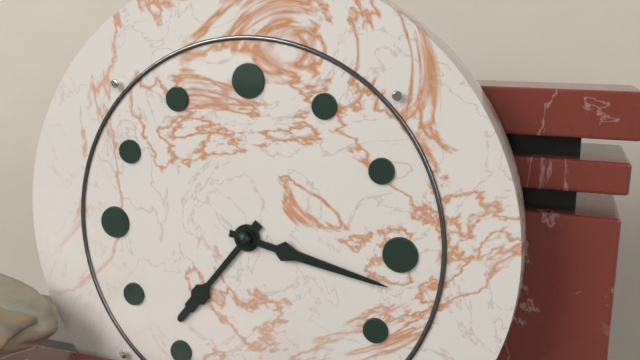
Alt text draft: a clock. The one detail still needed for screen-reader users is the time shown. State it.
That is 7:17
